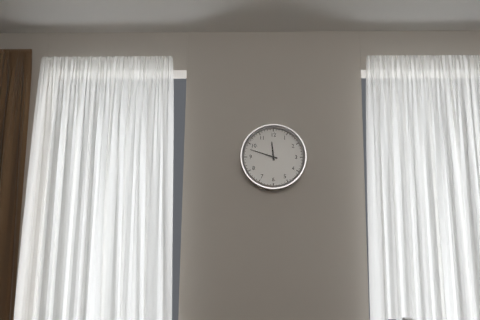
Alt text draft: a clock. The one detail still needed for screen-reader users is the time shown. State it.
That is 11:48
